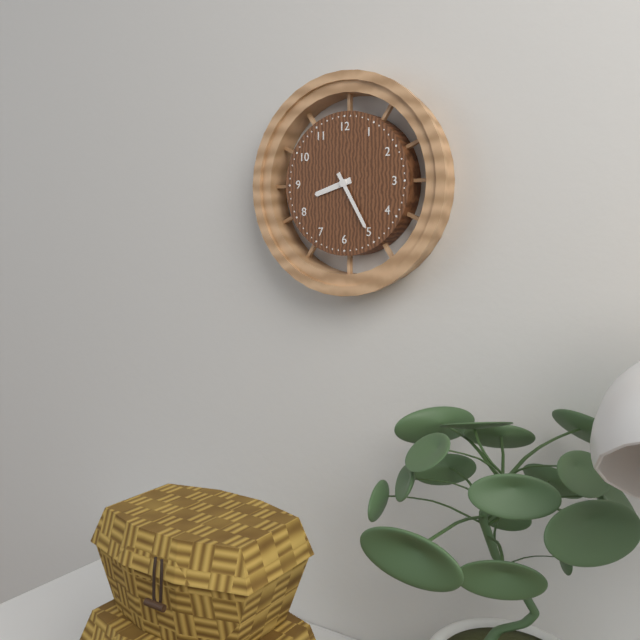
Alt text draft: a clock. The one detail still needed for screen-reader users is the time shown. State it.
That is 8:25
